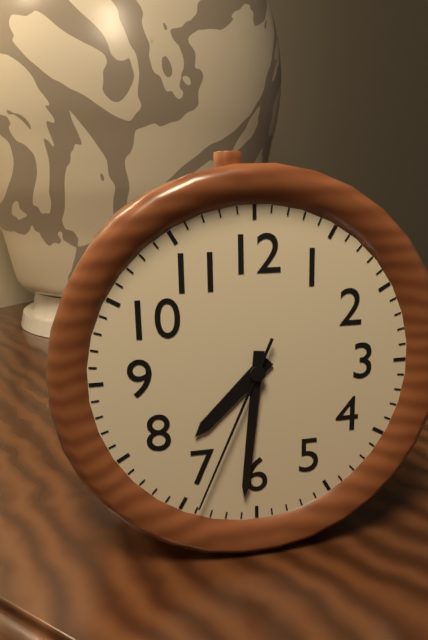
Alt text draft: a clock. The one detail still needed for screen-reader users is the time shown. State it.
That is 7:31:34
